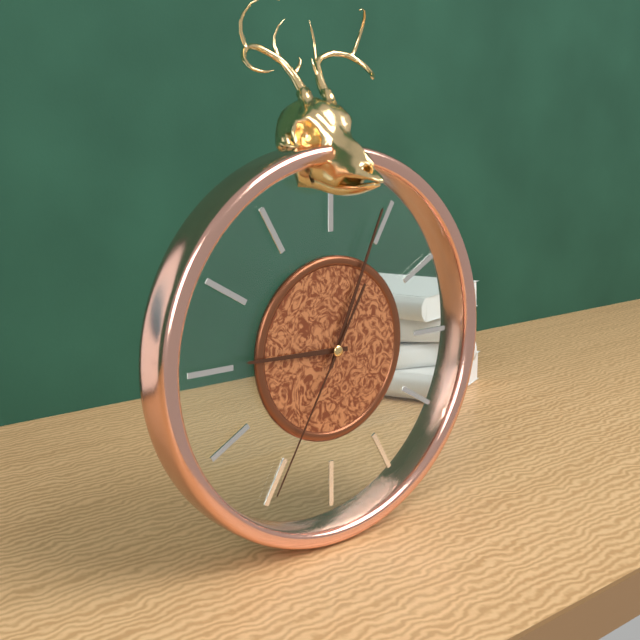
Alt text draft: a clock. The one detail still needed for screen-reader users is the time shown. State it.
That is 9:04:35
